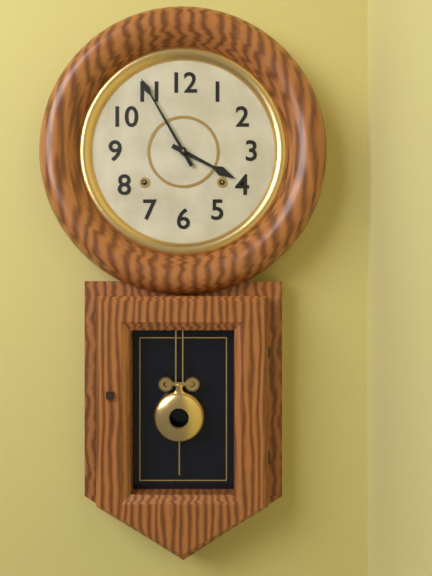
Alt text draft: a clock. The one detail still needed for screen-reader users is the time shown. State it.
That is 3:55
